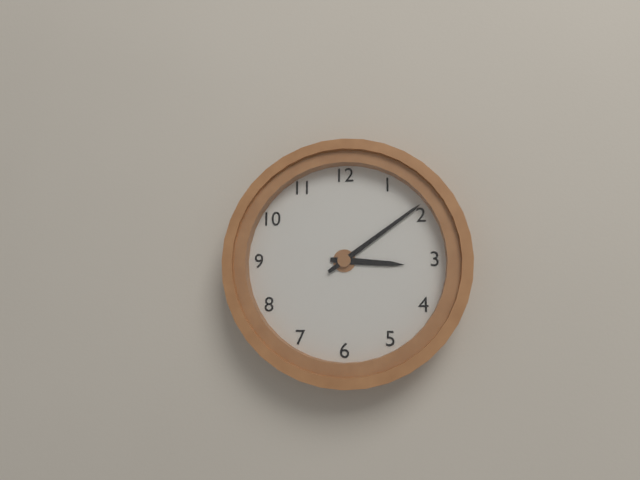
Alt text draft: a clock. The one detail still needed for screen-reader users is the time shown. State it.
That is 3:09
